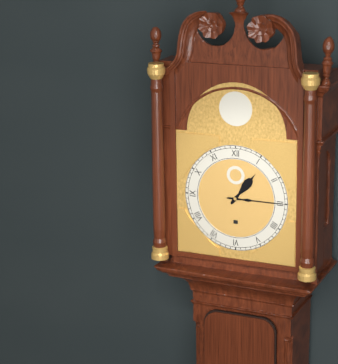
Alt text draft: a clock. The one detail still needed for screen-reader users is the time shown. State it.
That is 1:15
